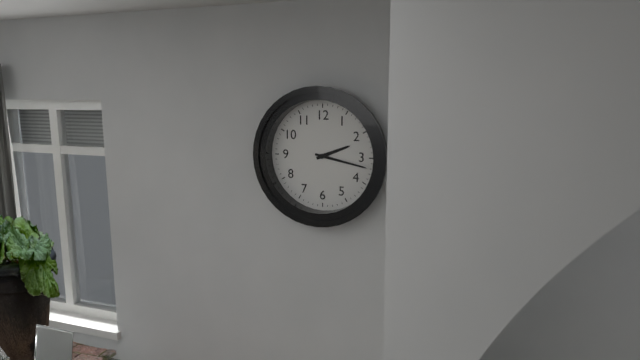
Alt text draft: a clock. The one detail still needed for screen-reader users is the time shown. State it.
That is 2:17
